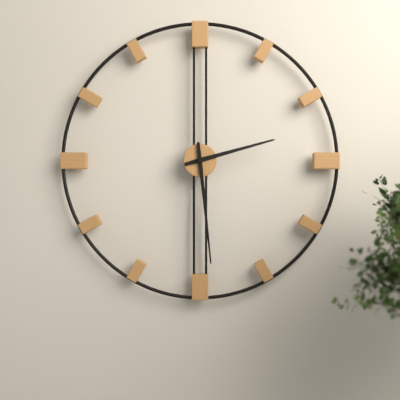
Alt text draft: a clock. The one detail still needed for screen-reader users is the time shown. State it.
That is 2:29
